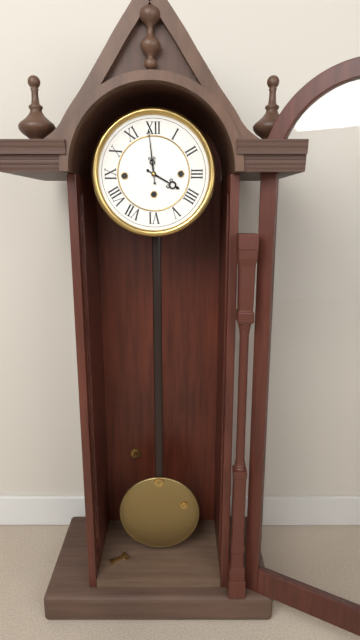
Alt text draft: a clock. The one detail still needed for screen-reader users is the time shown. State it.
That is 3:59
